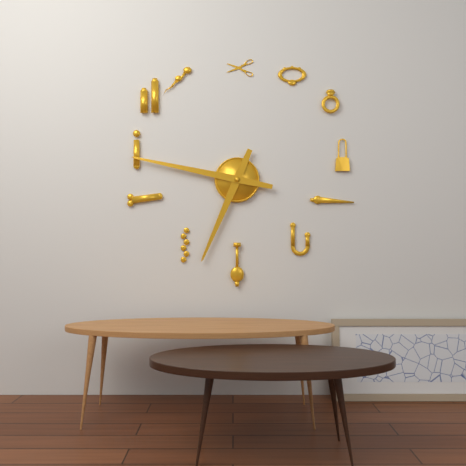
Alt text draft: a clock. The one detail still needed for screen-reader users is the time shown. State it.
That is 6:47
